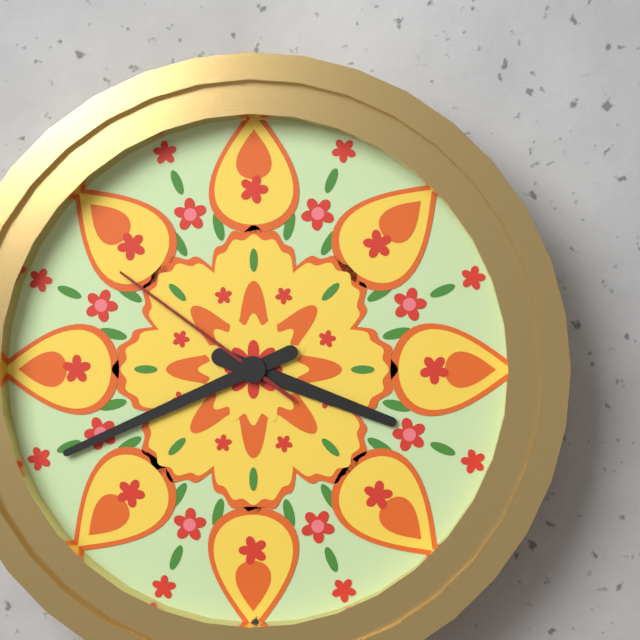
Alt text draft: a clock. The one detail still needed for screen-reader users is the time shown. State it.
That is 3:41:51
